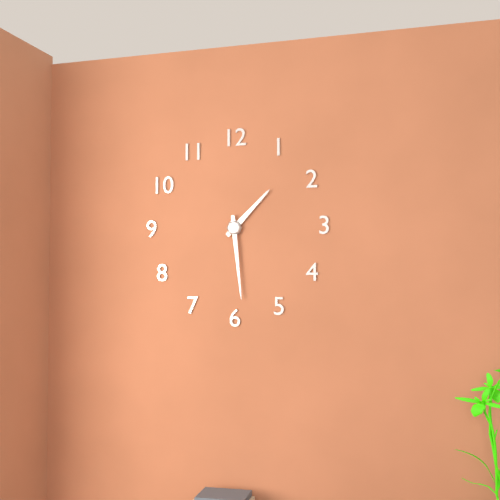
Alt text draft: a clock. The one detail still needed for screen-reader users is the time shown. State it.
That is 1:29
